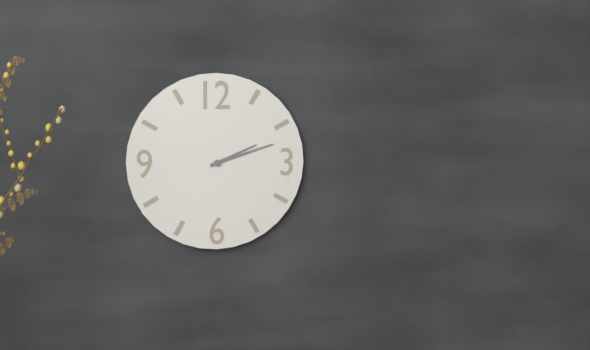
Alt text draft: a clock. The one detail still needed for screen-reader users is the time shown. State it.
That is 2:12
